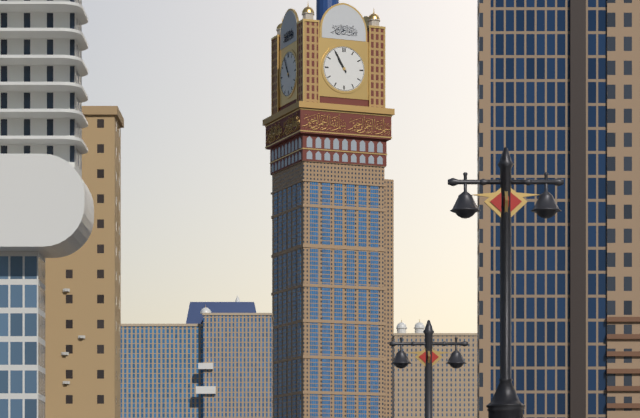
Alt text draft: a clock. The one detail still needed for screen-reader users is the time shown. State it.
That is 10:55
